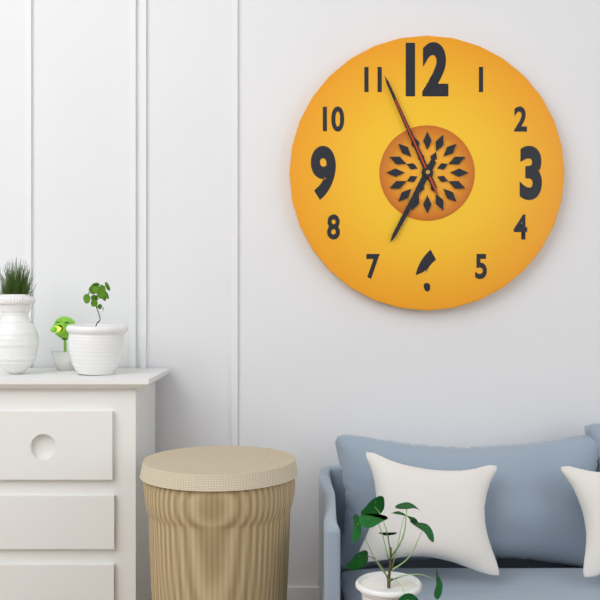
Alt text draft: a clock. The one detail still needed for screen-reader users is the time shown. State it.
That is 6:56:56
